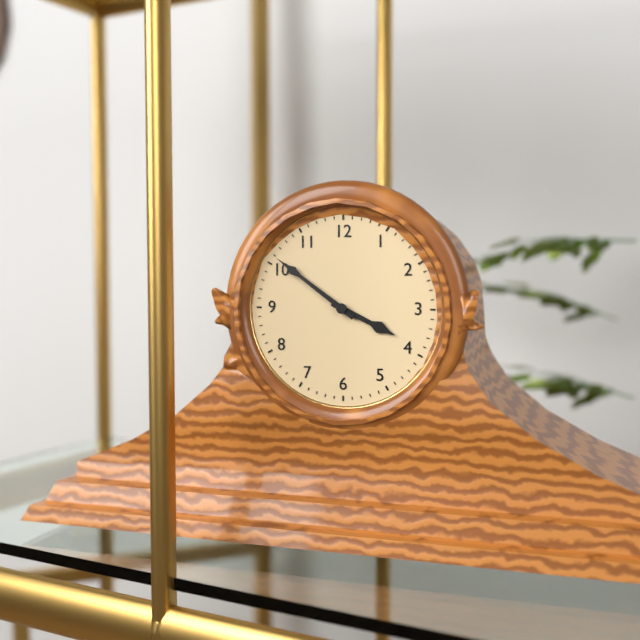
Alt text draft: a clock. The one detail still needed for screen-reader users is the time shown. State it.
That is 3:51
